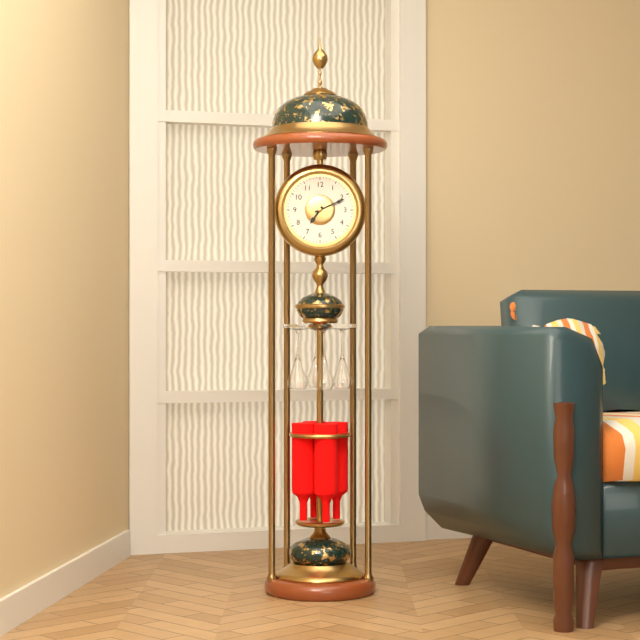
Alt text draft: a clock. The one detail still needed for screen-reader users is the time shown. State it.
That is 7:11
